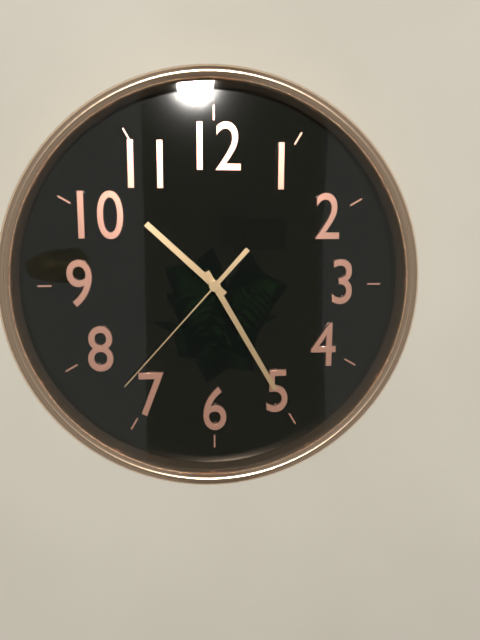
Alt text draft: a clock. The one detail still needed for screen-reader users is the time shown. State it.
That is 10:25:37
